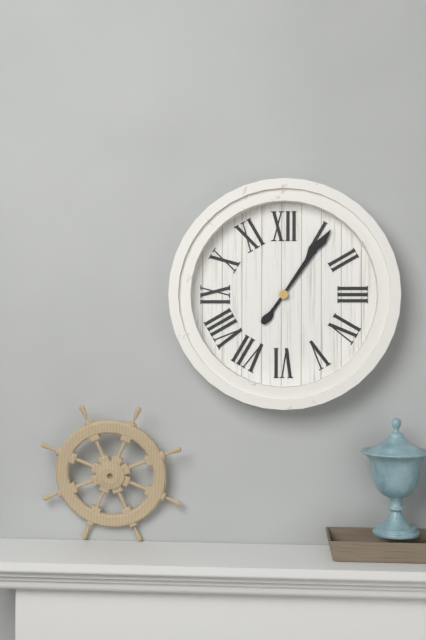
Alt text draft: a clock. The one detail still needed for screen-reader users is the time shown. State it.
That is 1:06
